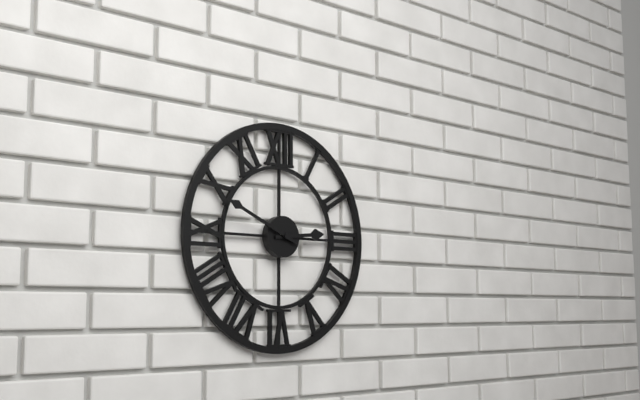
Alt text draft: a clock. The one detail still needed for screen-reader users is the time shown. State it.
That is 2:49
